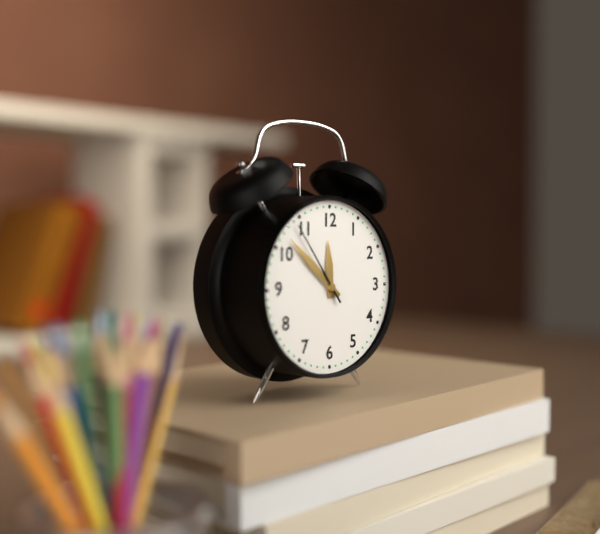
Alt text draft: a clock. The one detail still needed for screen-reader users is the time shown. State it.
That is 11:52:54
